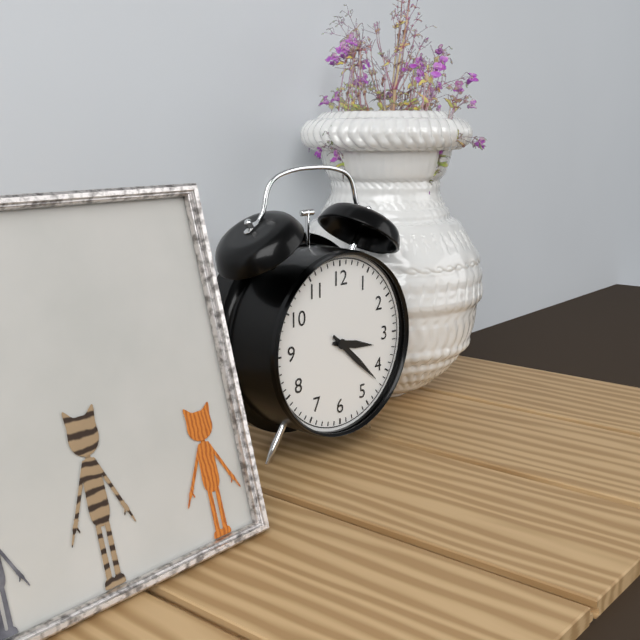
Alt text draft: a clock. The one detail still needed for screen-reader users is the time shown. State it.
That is 3:22
